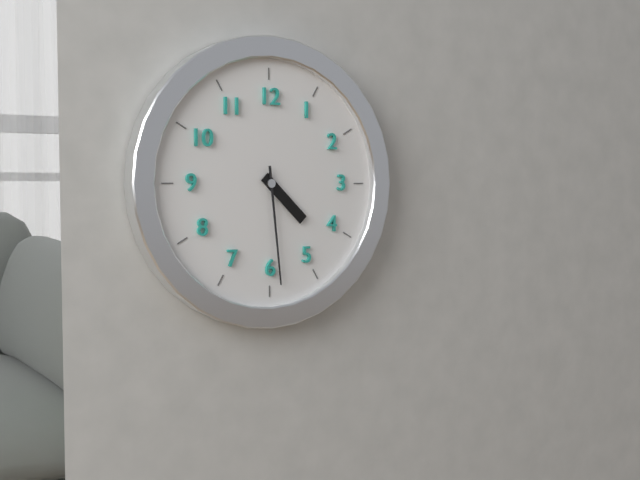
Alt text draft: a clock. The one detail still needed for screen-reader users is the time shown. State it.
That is 4:29
